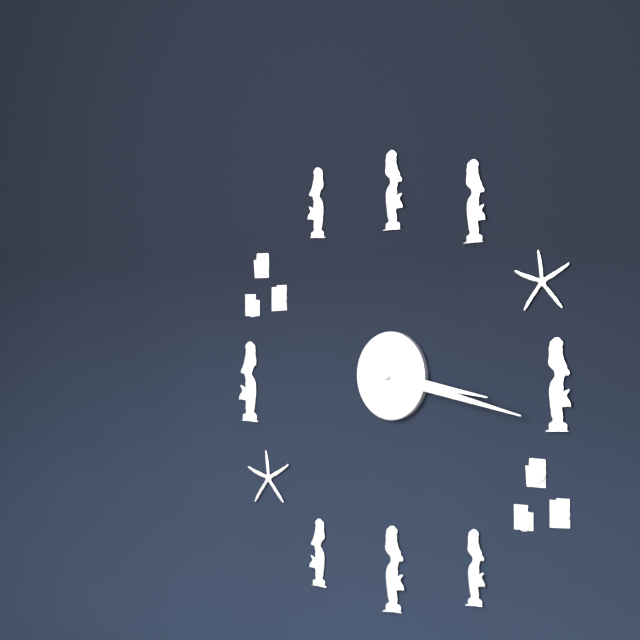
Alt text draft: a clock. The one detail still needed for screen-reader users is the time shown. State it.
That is 3:17
